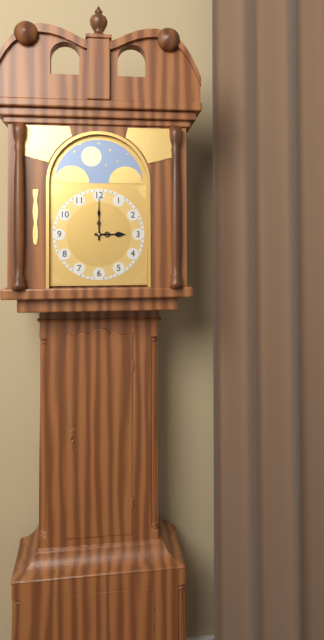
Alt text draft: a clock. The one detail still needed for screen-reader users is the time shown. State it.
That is 3:00
